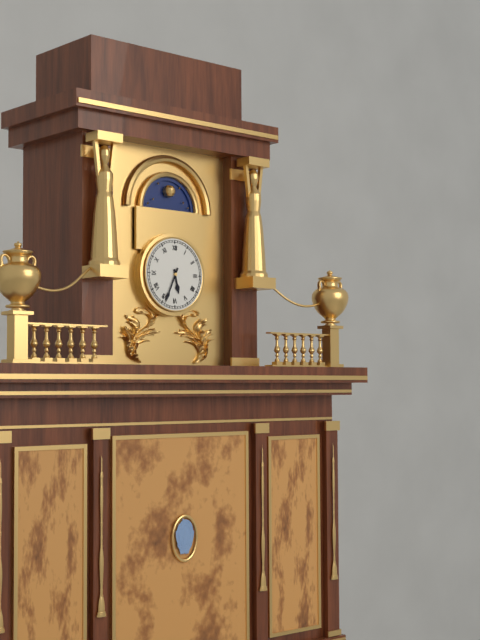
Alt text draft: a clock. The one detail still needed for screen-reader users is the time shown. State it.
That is 5:34
